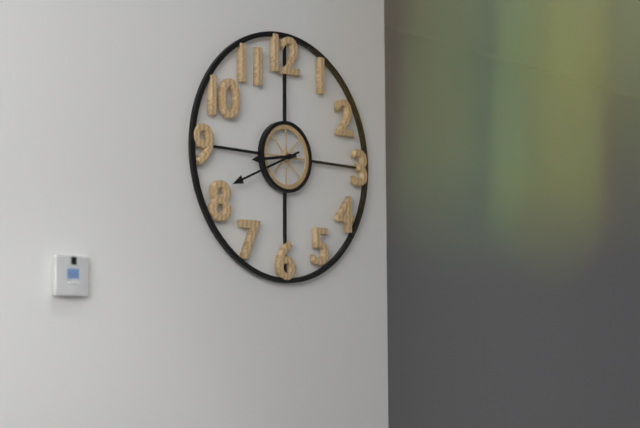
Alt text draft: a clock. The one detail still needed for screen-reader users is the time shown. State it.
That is 8:41
